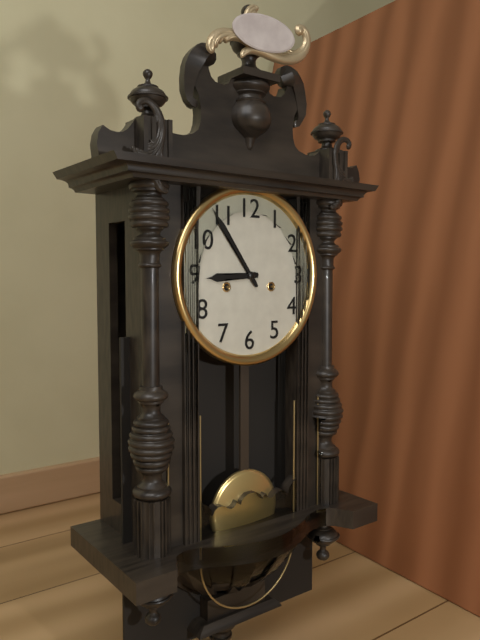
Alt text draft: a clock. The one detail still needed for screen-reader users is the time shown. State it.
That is 8:54
